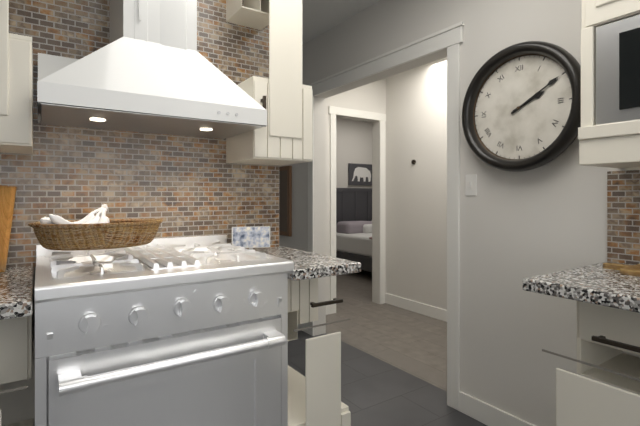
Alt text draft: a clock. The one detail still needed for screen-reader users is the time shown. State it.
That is 2:10
